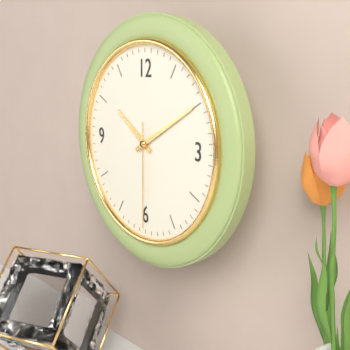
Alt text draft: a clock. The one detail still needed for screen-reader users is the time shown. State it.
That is 10:10:30
